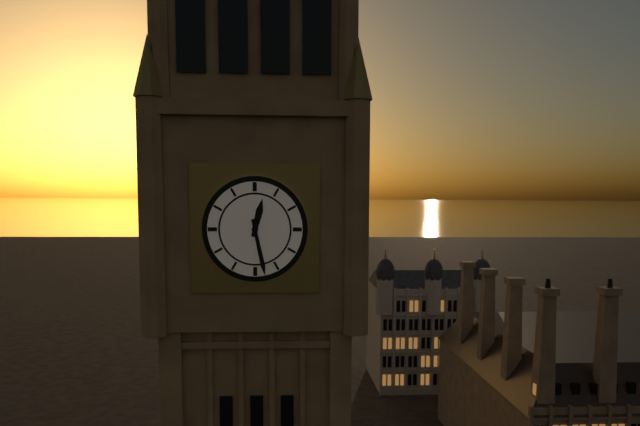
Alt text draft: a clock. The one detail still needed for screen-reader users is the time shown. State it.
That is 12:28
